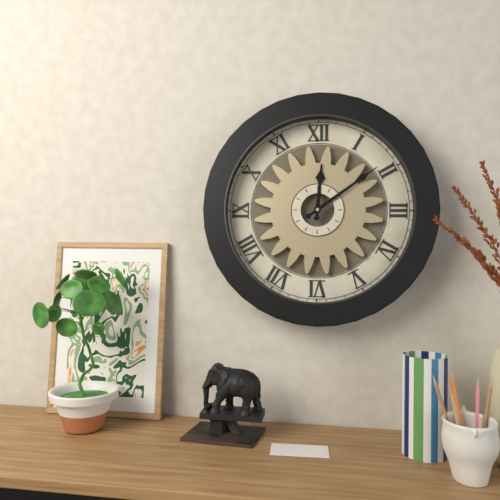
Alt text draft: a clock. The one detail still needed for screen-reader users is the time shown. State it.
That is 12:09
